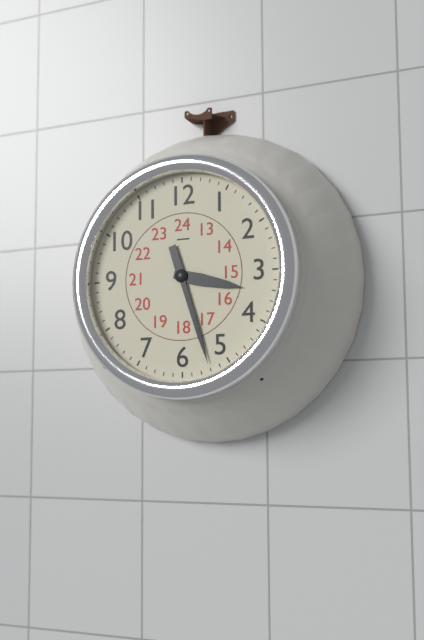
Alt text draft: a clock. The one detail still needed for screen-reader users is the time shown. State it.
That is 3:27
